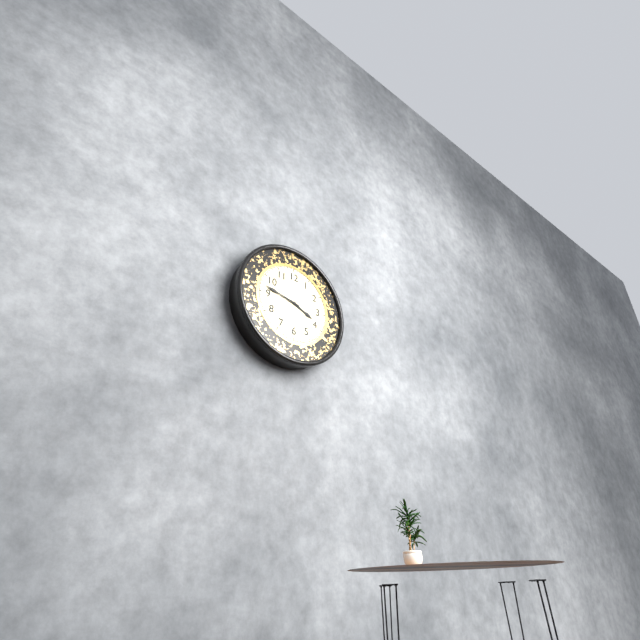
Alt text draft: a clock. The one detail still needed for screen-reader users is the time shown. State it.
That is 3:47
